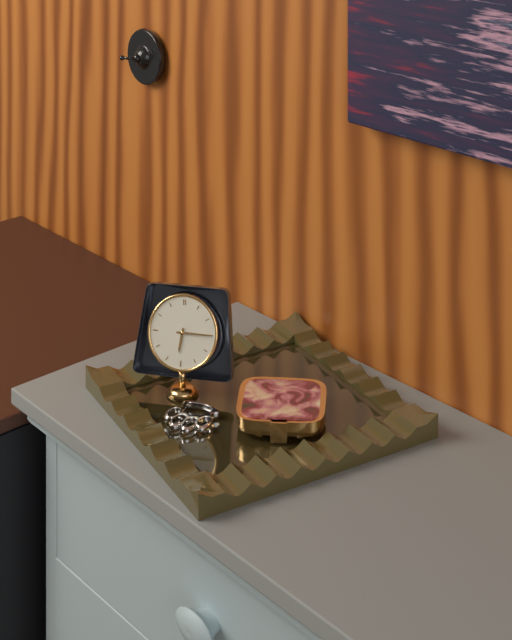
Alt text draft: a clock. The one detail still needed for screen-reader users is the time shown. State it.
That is 6:15
